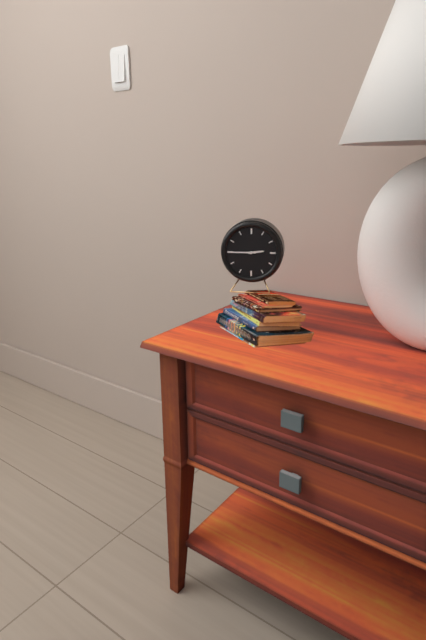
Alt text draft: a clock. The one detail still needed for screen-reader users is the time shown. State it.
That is 2:45
